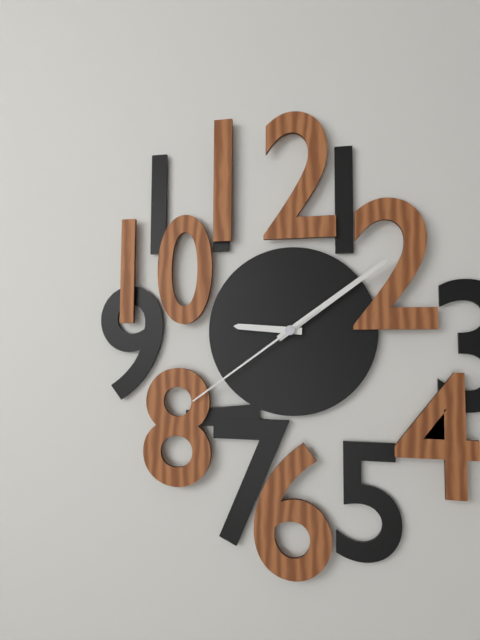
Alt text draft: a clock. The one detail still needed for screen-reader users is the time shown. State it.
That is 9:09:39
